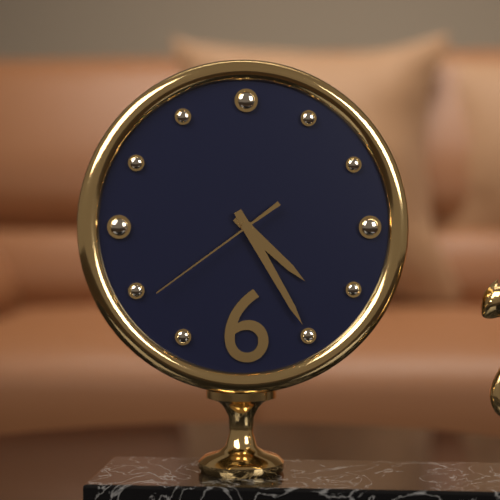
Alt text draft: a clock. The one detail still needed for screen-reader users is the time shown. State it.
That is 4:25:39
